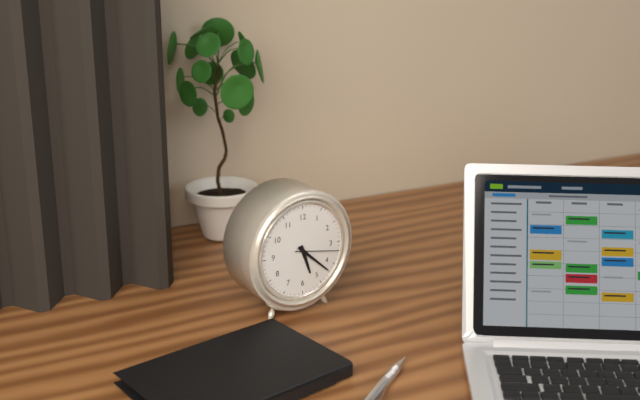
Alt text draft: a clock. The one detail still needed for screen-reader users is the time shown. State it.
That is 5:22
